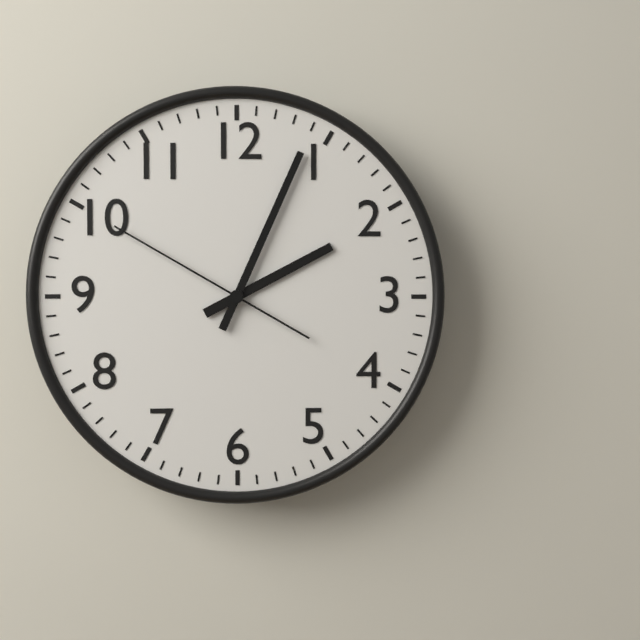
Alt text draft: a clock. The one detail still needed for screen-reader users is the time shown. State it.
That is 2:04:50
